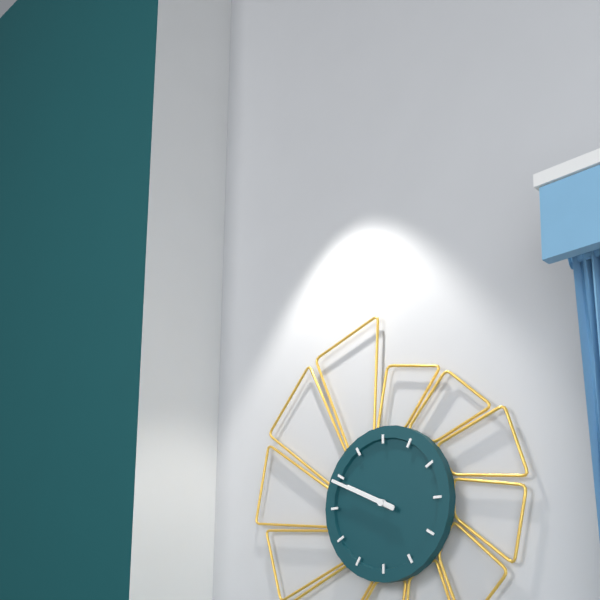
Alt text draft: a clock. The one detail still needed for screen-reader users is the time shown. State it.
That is 9:49
